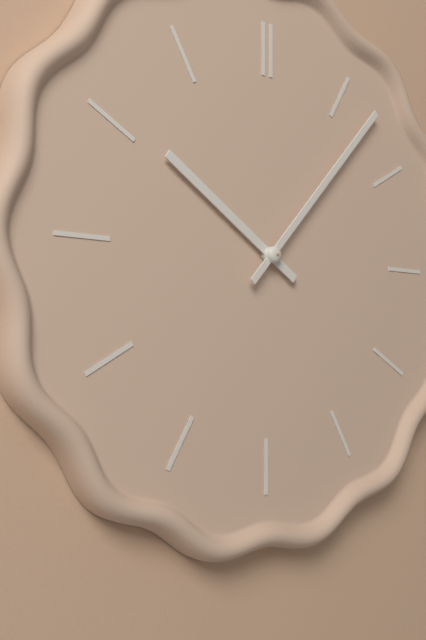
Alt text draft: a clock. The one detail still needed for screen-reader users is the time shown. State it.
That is 10:07
